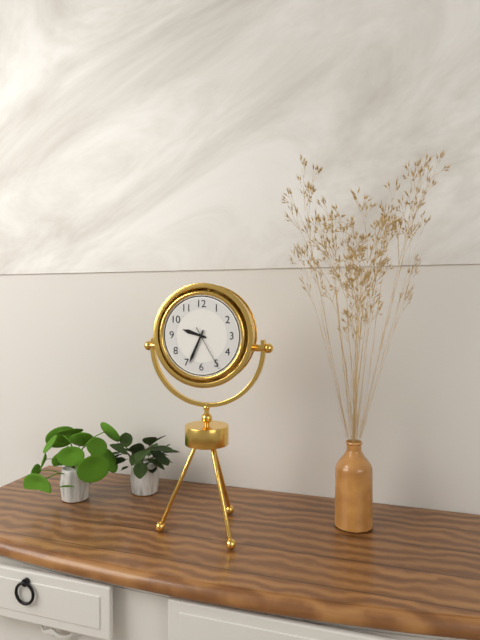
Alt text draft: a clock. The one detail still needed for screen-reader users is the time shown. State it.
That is 9:34
